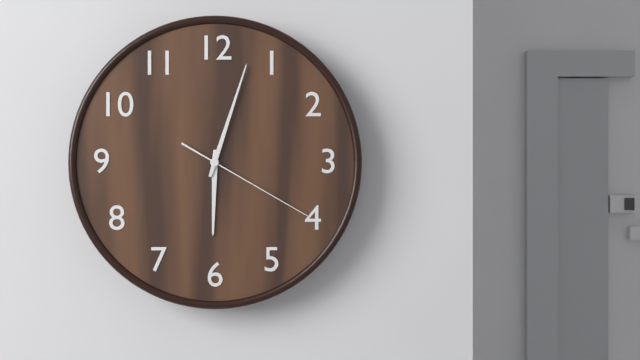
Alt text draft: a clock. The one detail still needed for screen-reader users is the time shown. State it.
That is 6:03:20
